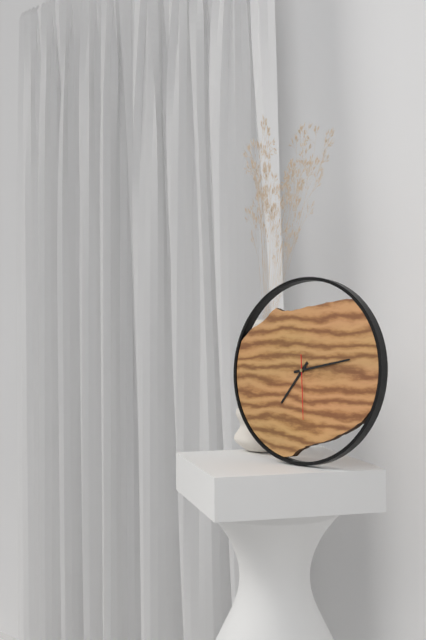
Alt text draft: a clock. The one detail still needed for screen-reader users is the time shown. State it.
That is 7:13:29
